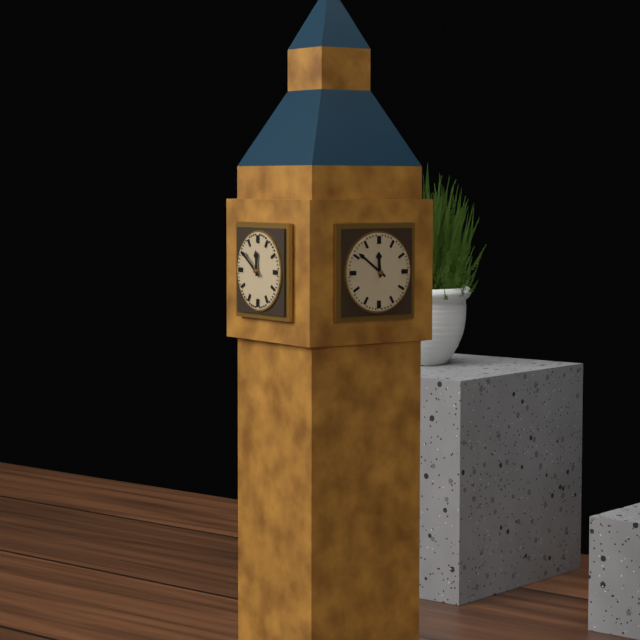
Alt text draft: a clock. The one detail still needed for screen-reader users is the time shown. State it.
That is 11:51
